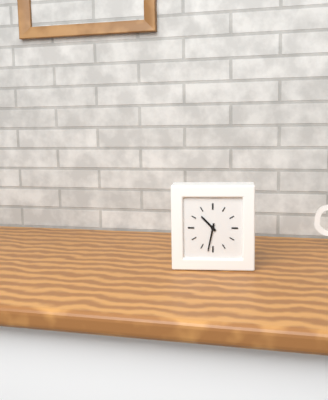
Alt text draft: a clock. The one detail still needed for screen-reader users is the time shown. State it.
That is 10:32
